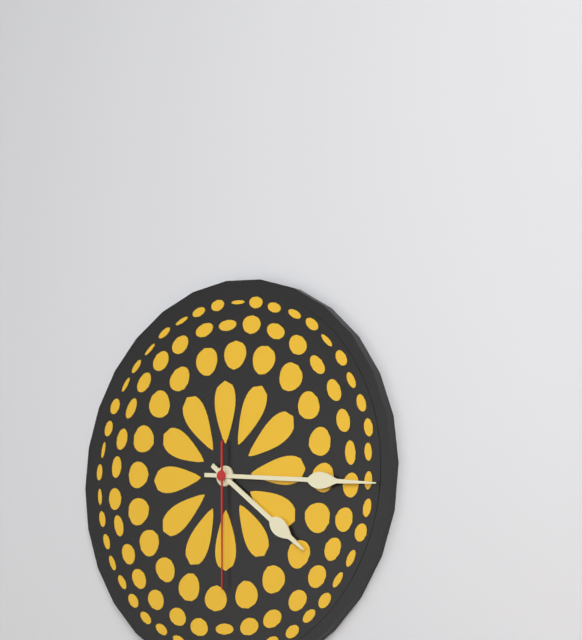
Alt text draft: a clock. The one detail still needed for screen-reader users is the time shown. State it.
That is 4:16:30
